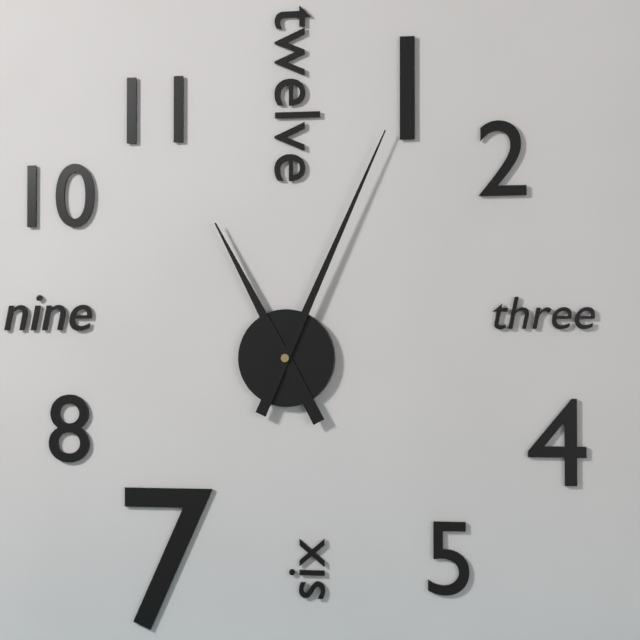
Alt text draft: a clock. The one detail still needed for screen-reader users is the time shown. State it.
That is 11:04
